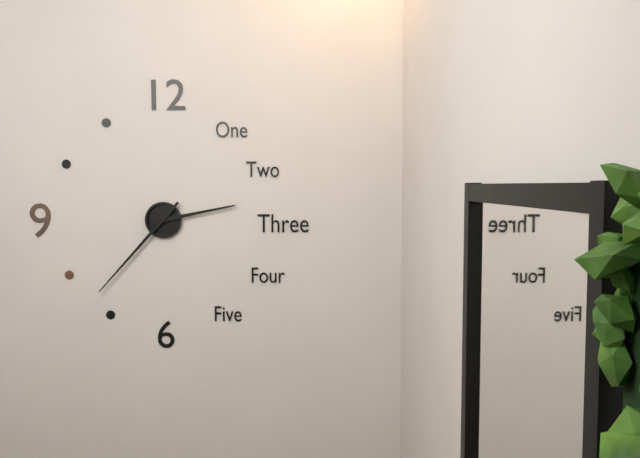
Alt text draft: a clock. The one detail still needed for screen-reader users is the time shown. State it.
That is 2:37
